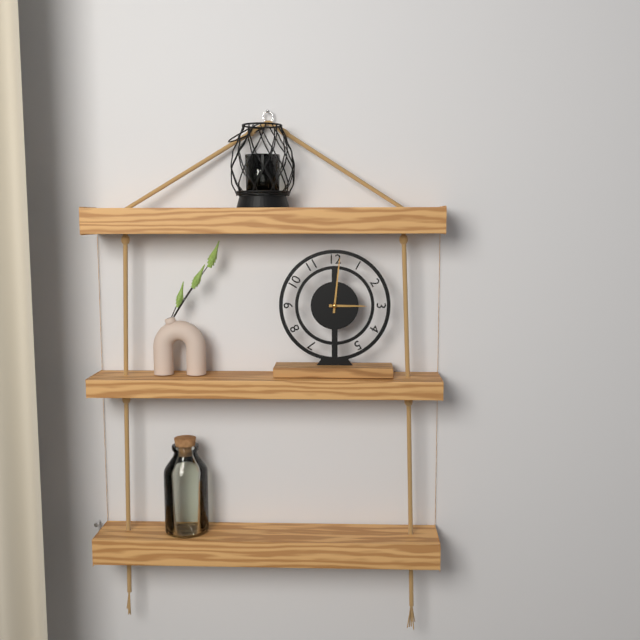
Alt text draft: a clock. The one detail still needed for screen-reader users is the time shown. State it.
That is 3:01
